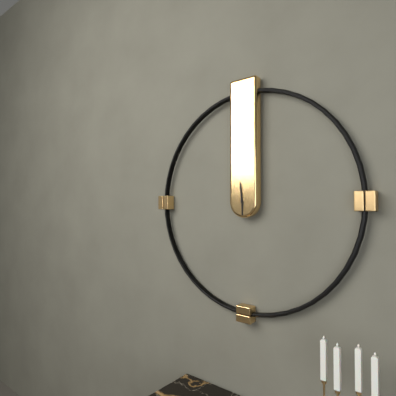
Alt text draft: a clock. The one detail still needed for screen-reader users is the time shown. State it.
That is 5:59
